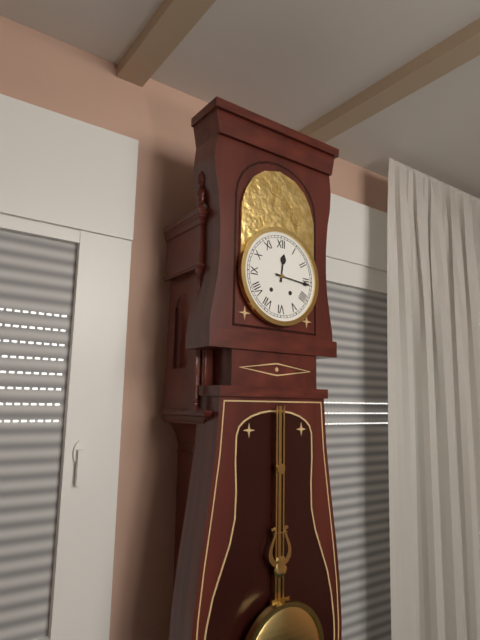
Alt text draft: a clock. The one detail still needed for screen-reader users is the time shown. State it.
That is 12:16
